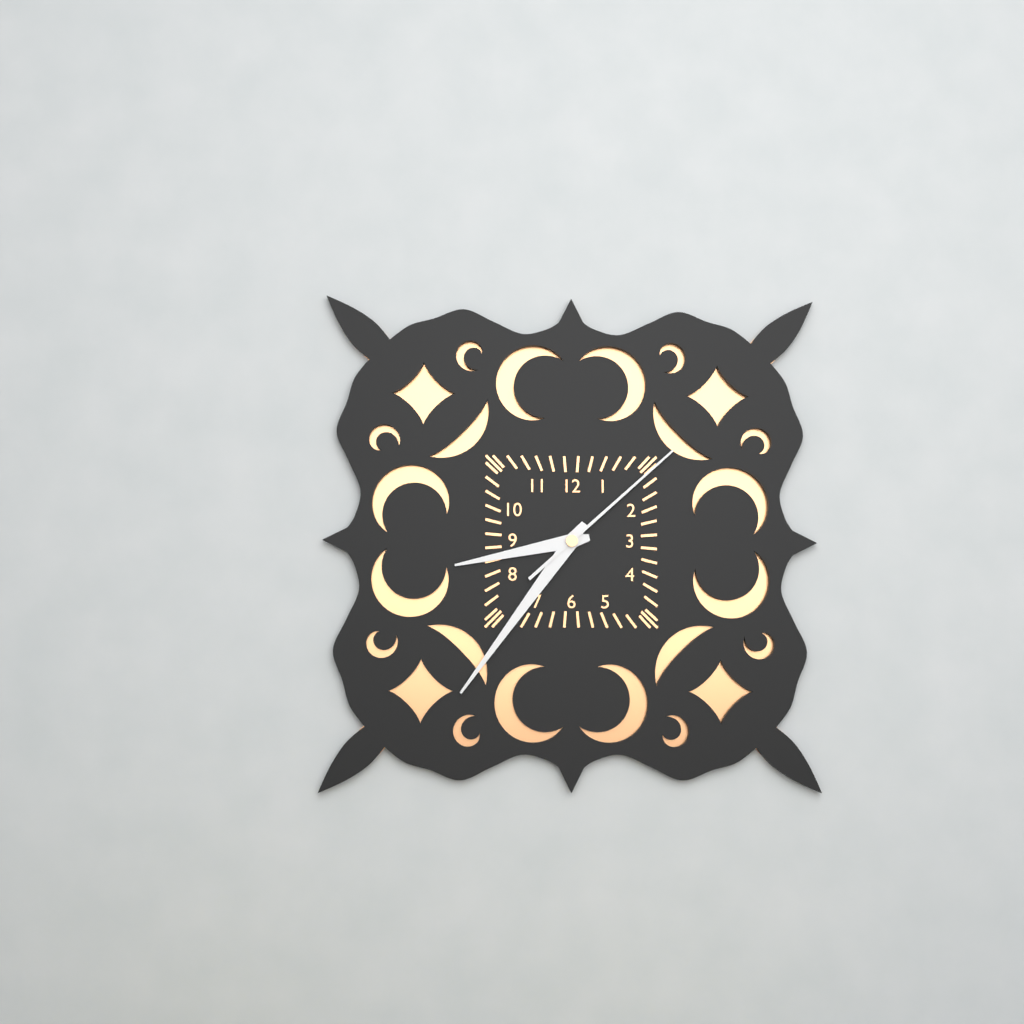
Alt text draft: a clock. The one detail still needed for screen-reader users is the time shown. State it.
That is 8:36:08
